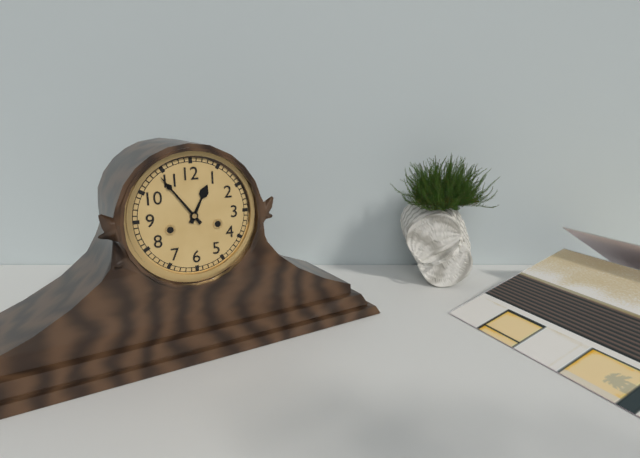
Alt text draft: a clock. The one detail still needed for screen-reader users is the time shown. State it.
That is 12:54
